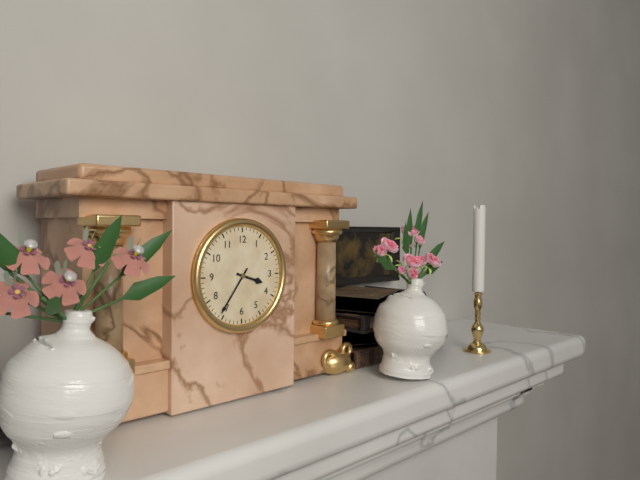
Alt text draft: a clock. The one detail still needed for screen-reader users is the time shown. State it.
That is 3:36
